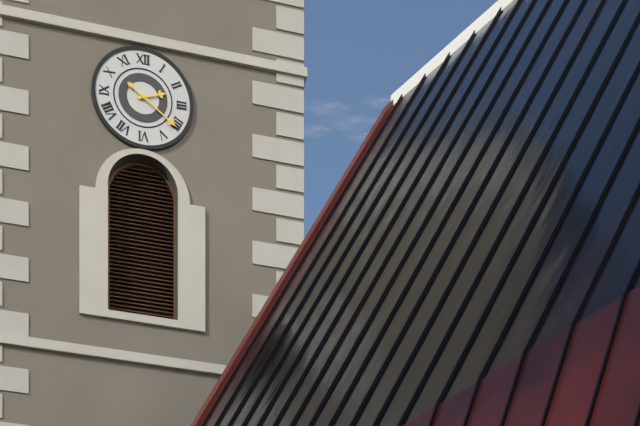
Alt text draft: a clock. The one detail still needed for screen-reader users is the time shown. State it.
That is 2:21
